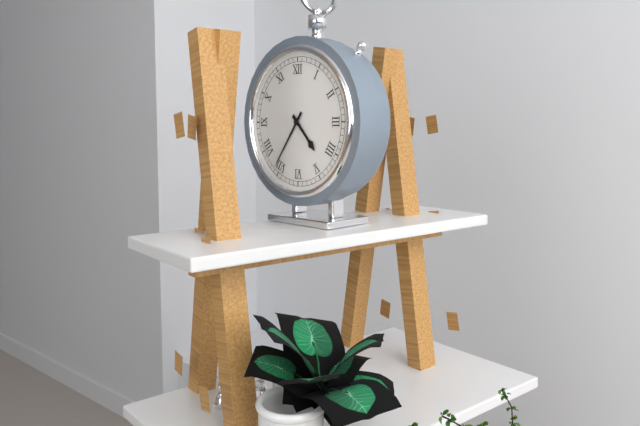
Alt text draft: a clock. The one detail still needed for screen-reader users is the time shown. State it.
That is 4:36
